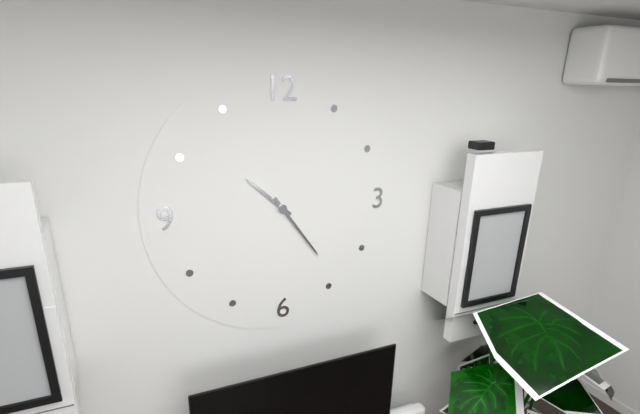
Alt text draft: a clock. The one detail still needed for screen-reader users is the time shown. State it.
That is 10:24
